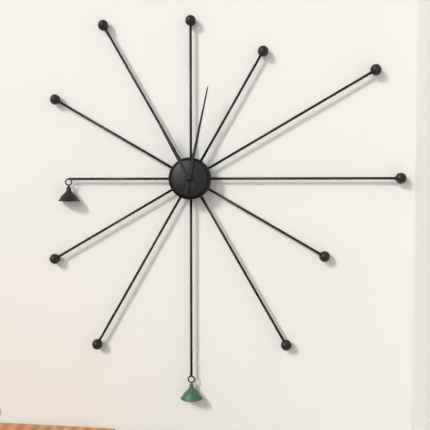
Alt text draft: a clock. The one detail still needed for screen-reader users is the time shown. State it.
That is 11:02
